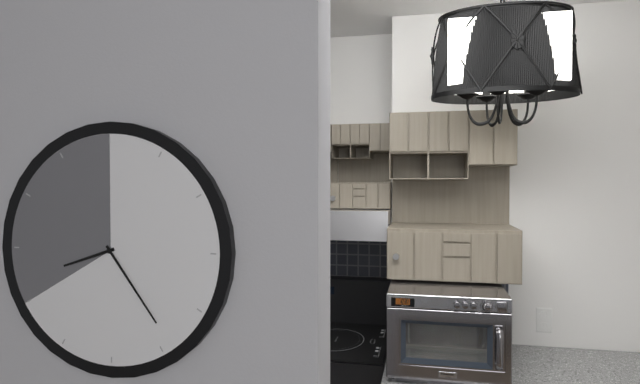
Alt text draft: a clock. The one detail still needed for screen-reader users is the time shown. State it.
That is 8:24
